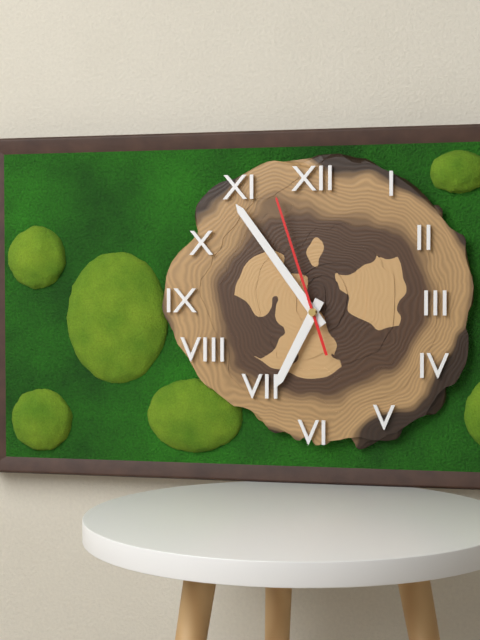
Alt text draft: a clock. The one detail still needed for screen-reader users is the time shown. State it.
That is 6:54:57
